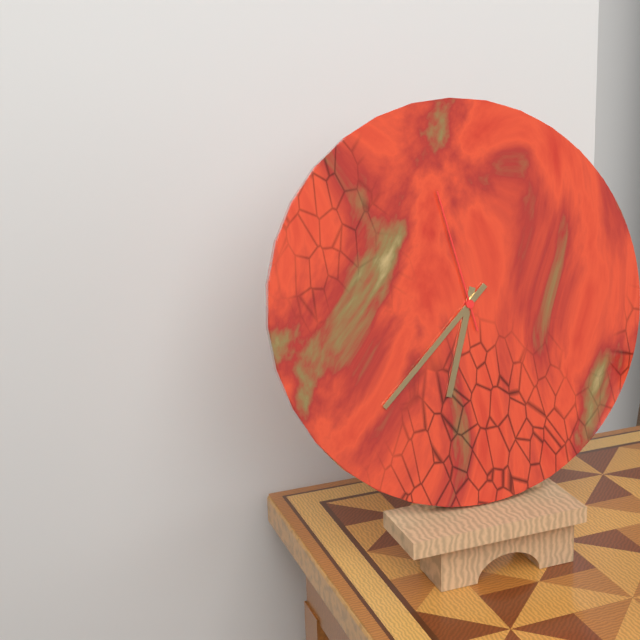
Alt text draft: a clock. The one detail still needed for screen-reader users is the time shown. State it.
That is 6:38:58
